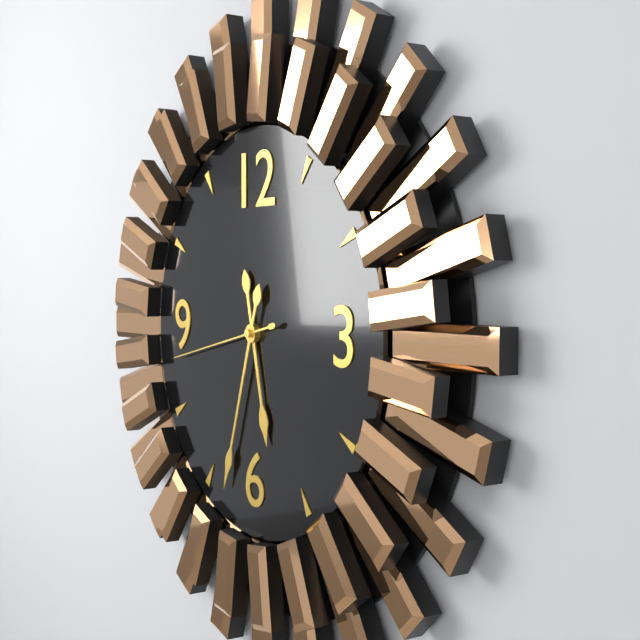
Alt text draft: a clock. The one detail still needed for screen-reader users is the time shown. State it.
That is 5:33:43
